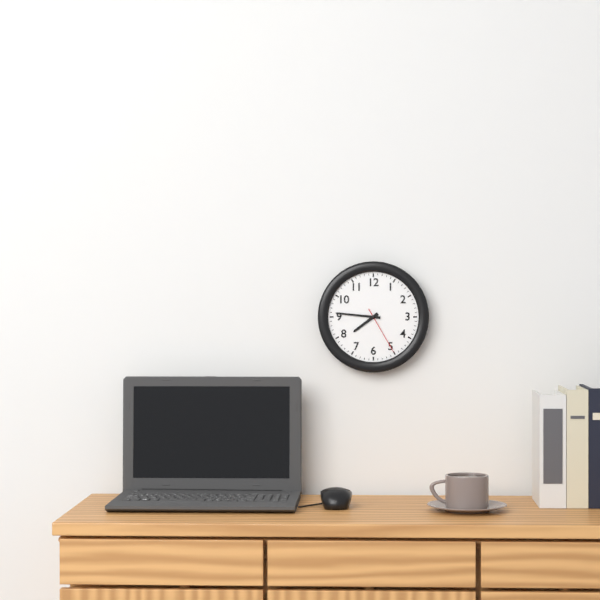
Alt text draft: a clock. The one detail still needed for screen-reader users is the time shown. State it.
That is 7:46:25
